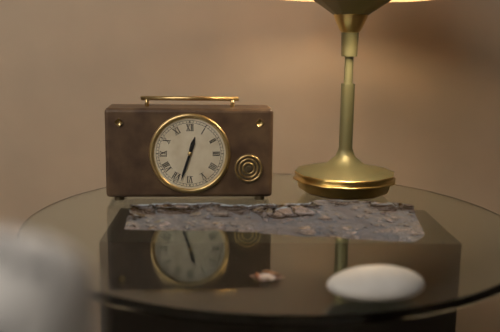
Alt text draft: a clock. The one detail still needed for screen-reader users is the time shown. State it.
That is 12:33
